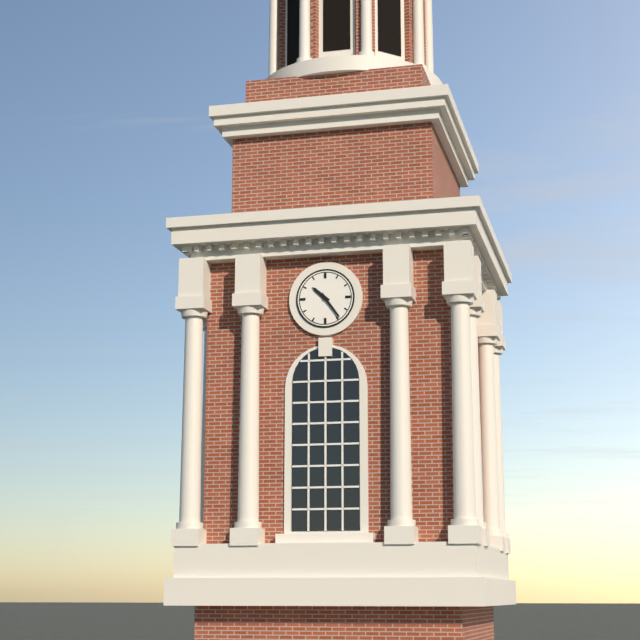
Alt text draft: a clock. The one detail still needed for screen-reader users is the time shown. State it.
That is 10:24
